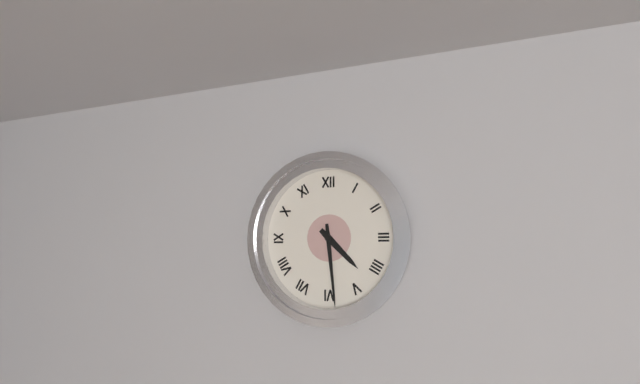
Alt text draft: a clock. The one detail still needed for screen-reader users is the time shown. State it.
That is 4:29
